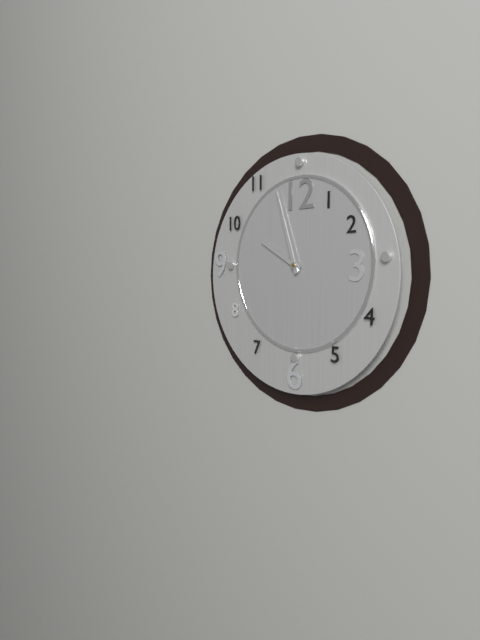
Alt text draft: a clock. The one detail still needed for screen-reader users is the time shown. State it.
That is 9:57
